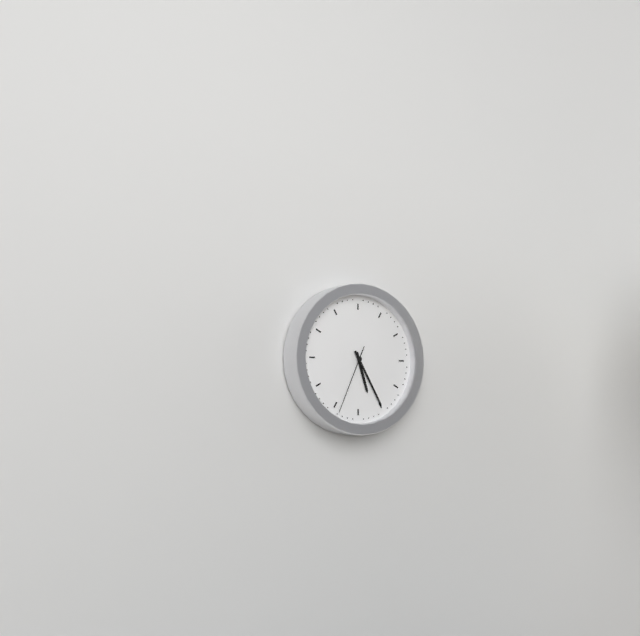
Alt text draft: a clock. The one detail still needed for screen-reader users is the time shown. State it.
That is 5:25:34
